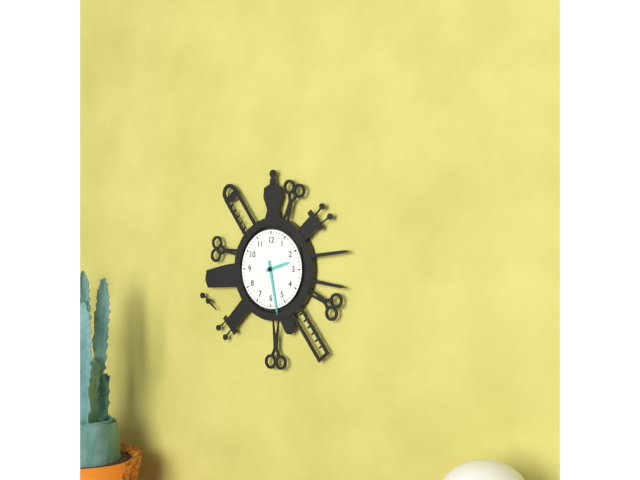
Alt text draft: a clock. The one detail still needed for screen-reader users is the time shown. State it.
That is 2:28
